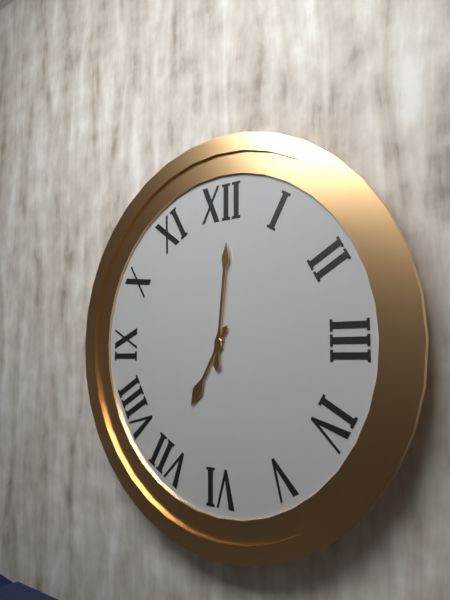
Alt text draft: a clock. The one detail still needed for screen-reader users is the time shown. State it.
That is 7:01
